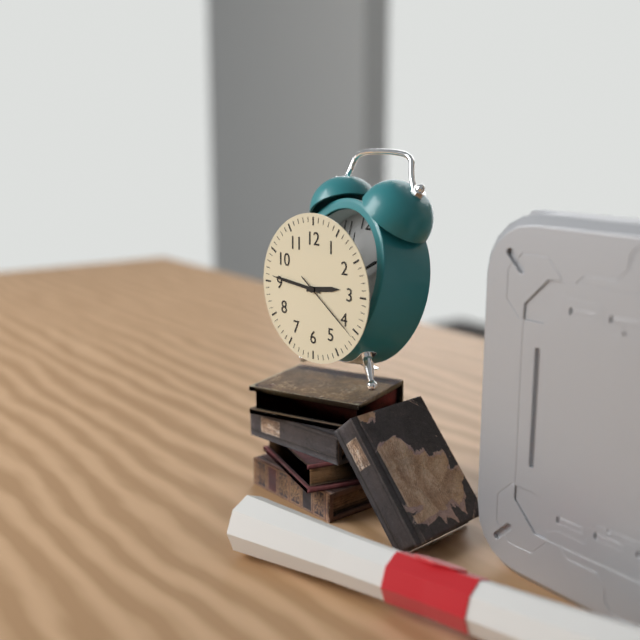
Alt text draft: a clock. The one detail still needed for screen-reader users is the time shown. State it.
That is 2:46:21
